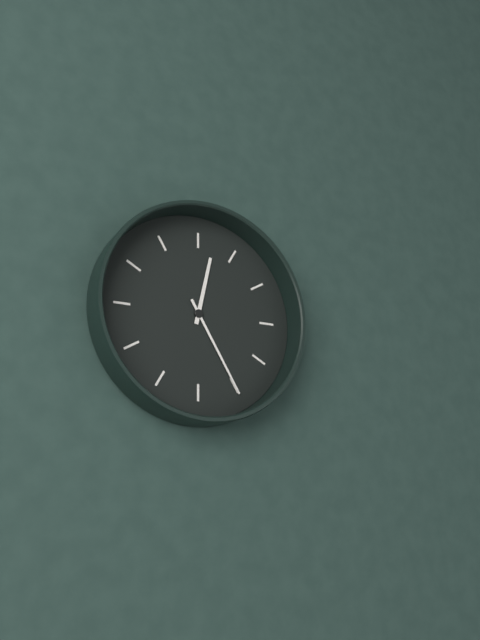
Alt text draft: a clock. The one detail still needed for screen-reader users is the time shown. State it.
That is 12:25
